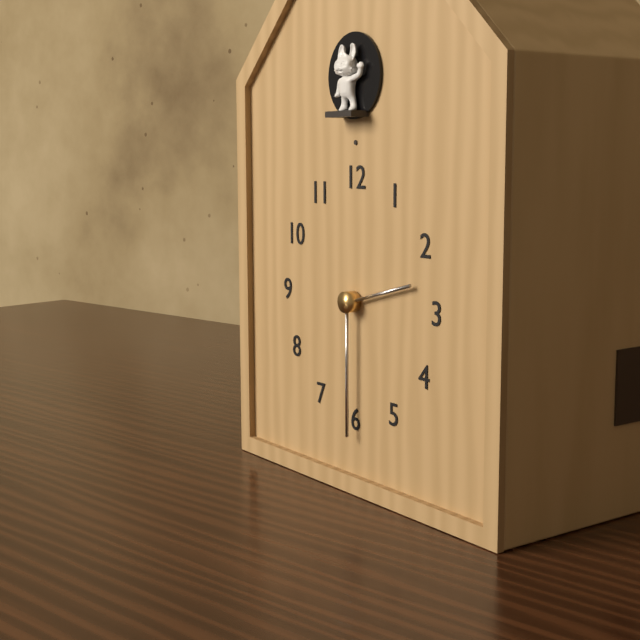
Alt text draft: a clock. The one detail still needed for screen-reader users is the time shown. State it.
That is 2:30
